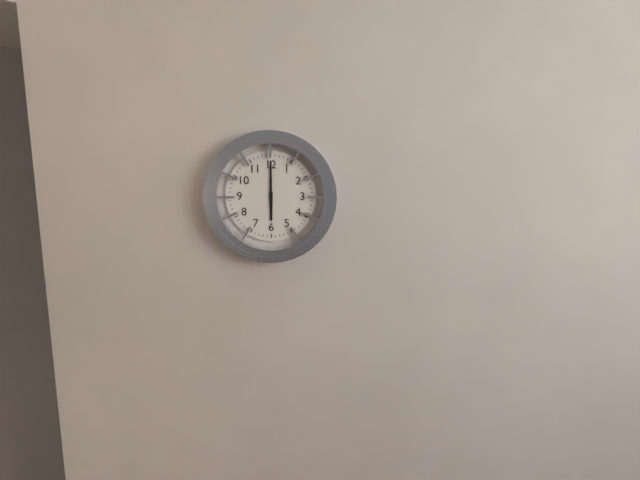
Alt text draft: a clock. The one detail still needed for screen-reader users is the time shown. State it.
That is 6:00
